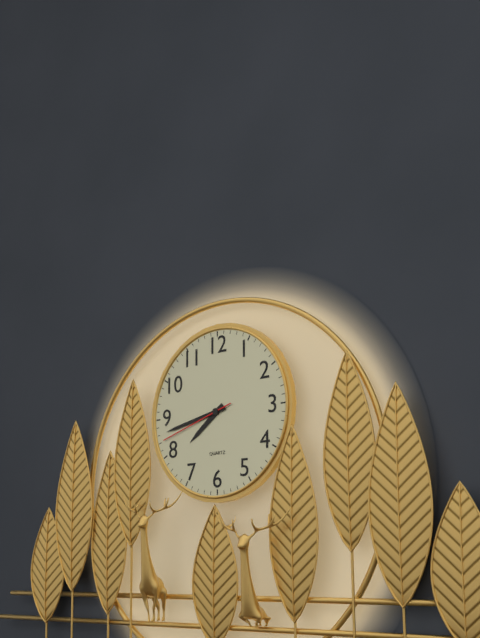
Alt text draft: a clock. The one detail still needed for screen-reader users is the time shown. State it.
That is 7:43:42
